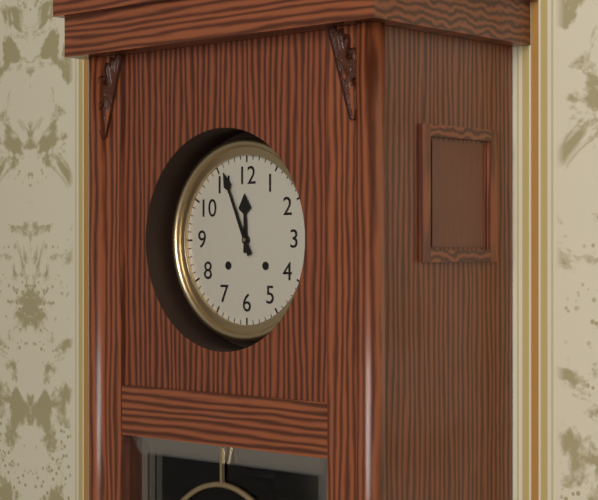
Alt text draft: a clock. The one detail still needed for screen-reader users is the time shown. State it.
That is 11:56
